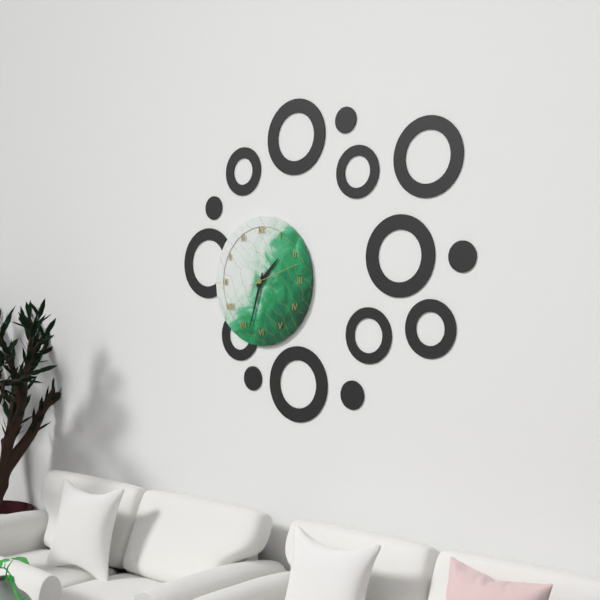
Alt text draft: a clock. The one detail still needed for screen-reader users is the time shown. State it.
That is 1:33:12
